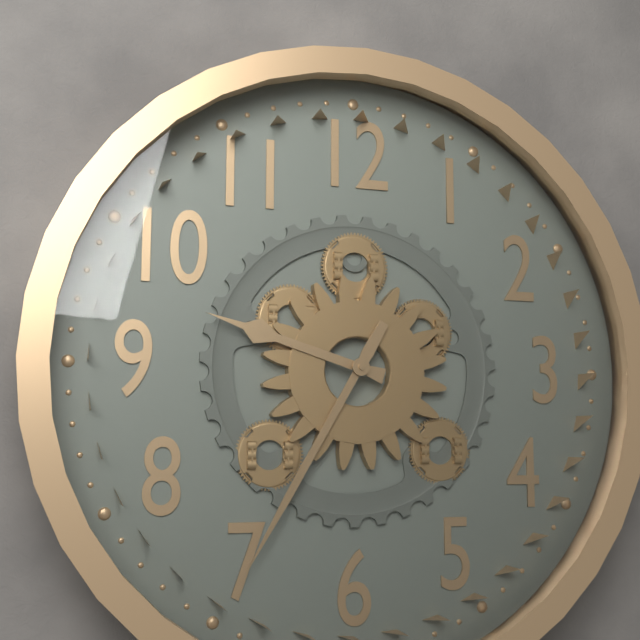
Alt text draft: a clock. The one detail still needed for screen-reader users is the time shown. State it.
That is 9:35
